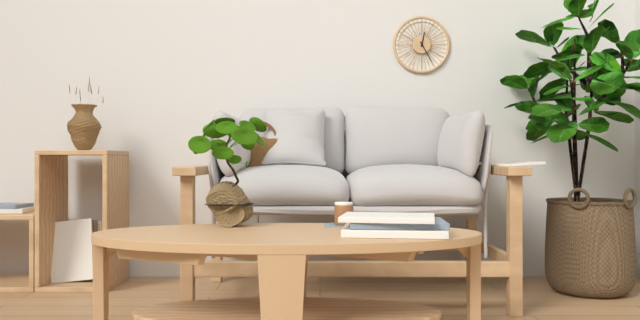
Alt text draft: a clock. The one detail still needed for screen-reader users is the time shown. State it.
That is 12:25
